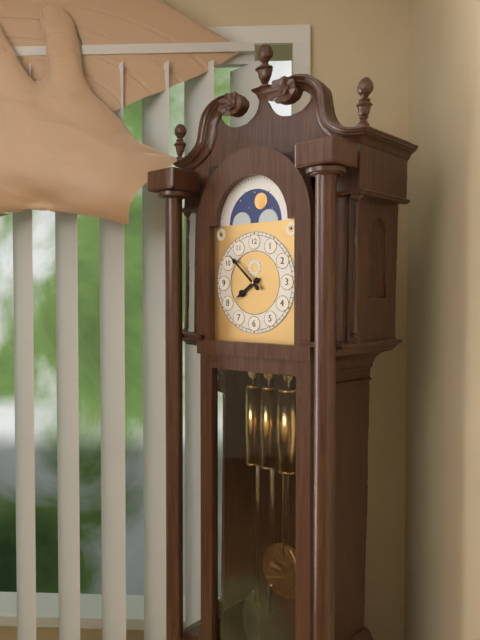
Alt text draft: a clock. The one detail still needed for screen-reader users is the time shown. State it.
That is 7:52
